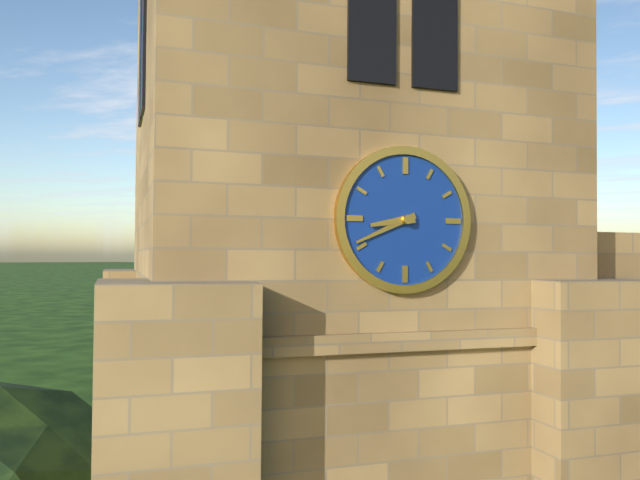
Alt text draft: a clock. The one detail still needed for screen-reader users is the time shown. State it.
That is 8:41
